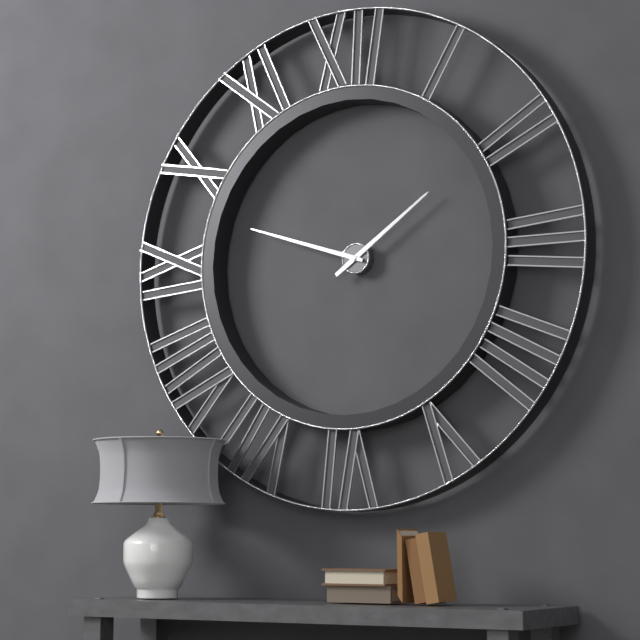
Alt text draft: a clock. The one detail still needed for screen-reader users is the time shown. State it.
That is 1:48
